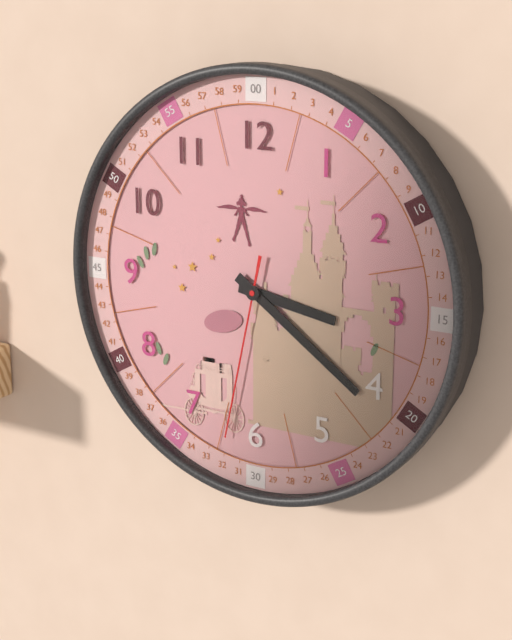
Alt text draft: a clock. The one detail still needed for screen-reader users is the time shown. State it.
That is 3:21:32
